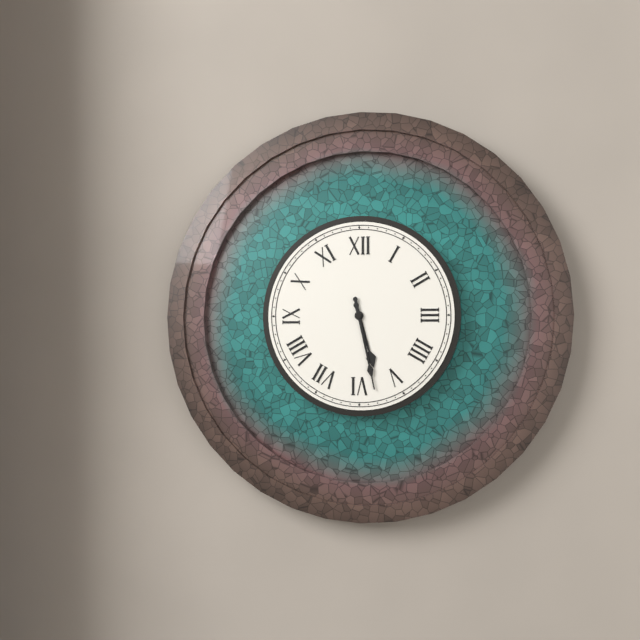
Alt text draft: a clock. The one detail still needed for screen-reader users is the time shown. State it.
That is 5:28
